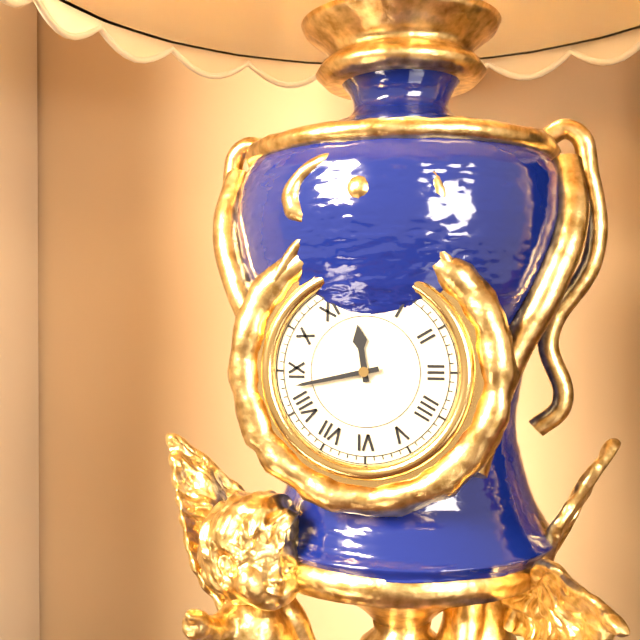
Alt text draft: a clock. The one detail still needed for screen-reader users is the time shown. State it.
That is 11:43
